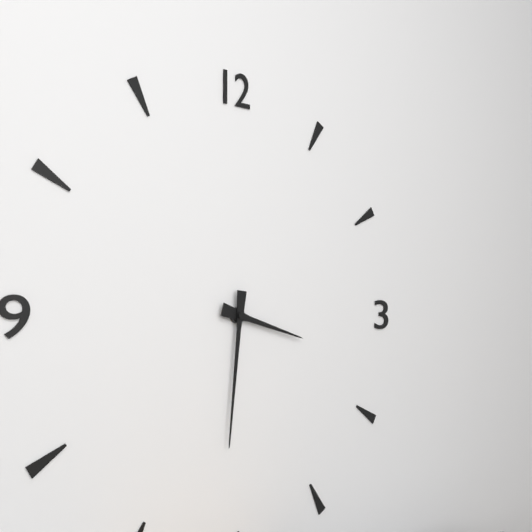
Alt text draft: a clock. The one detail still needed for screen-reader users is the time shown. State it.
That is 3:31
